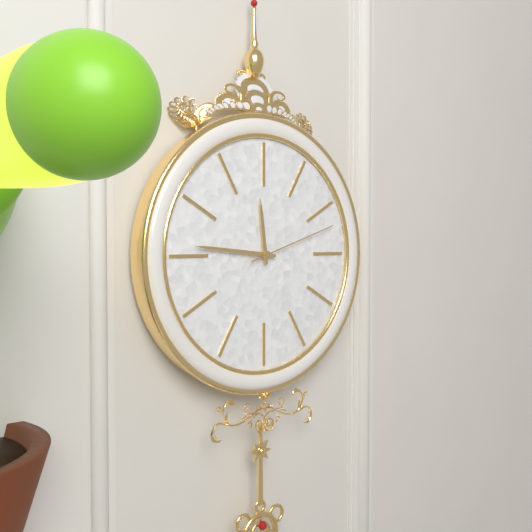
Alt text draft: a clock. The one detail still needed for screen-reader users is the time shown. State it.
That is 11:46:12
